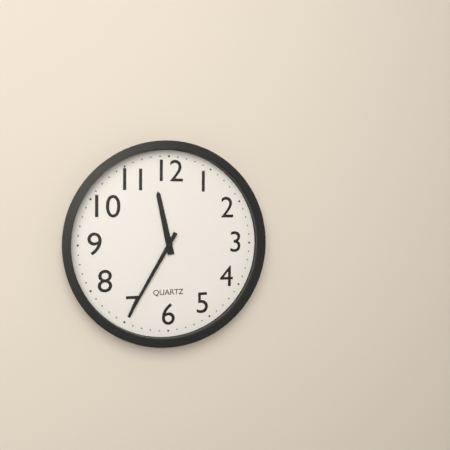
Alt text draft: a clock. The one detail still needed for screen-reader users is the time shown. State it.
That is 11:35
